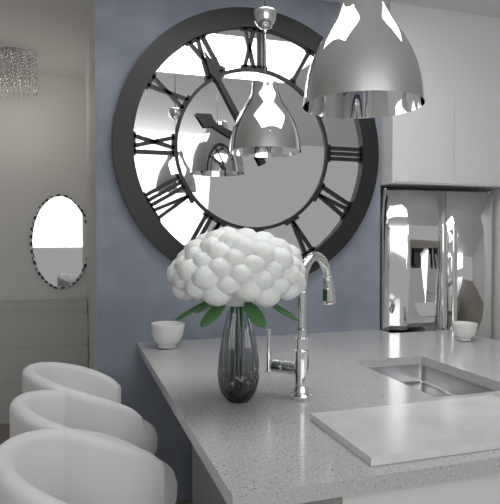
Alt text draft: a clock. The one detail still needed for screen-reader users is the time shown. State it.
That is 9:55
